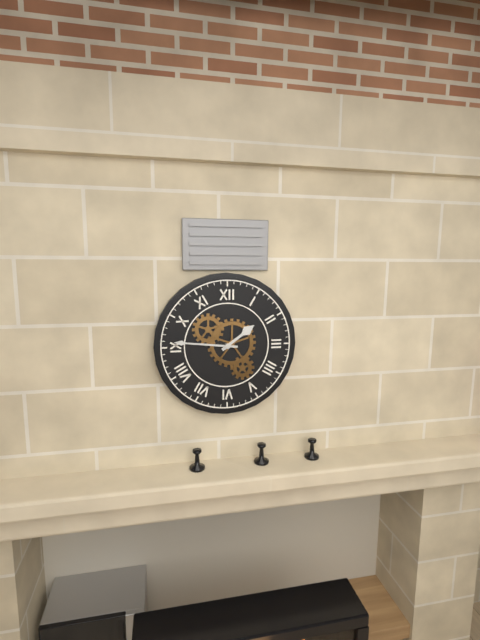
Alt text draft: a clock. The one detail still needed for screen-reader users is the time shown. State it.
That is 1:46
